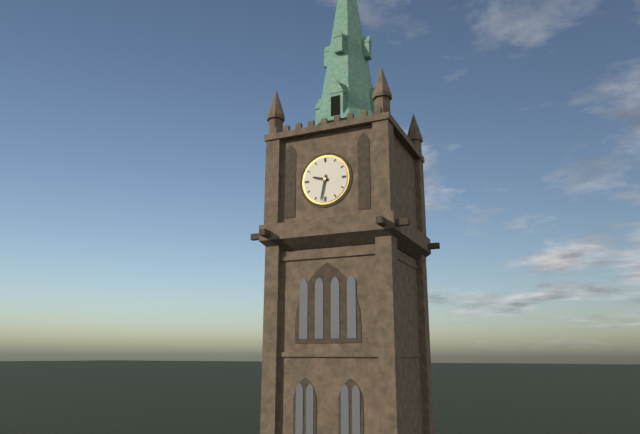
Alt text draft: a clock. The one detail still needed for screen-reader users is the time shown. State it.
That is 9:32
